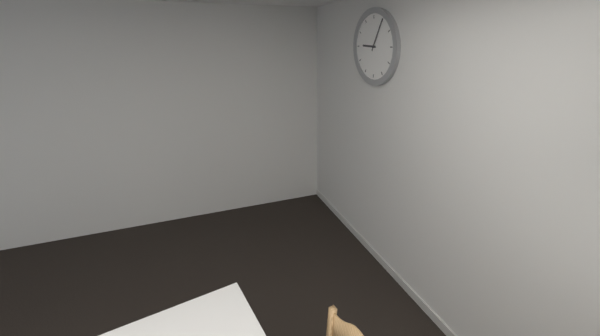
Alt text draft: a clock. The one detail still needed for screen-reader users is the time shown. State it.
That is 9:05
